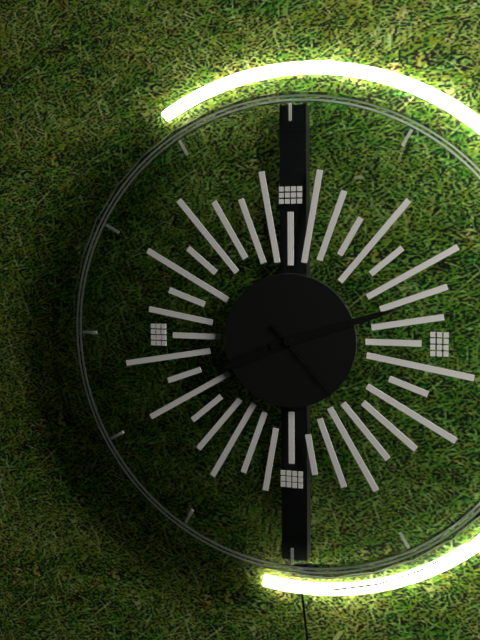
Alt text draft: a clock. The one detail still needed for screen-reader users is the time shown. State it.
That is 8:12:23
